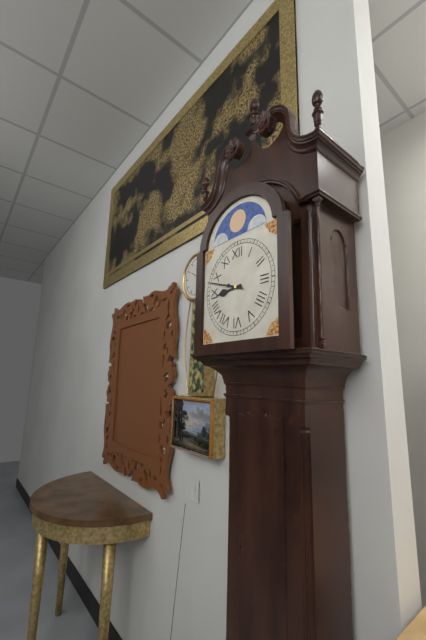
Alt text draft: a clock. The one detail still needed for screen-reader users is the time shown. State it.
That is 8:48
